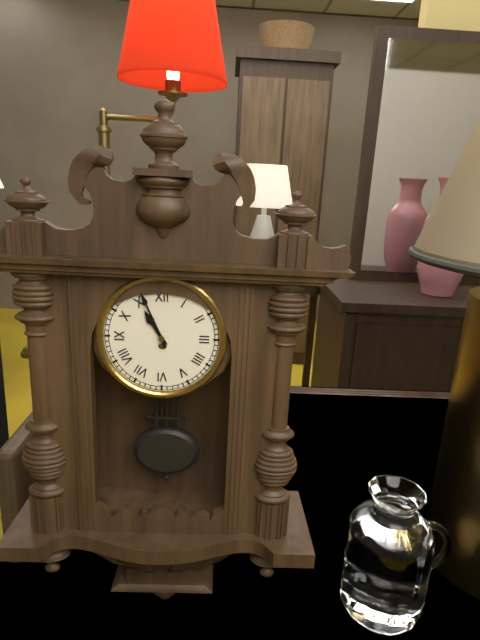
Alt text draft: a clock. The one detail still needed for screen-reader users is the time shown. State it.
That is 10:56
